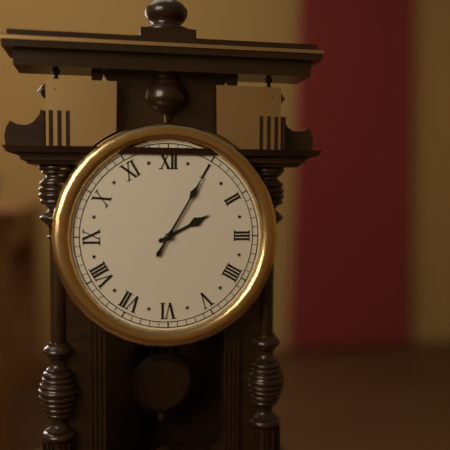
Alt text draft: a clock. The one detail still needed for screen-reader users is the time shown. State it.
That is 2:05
